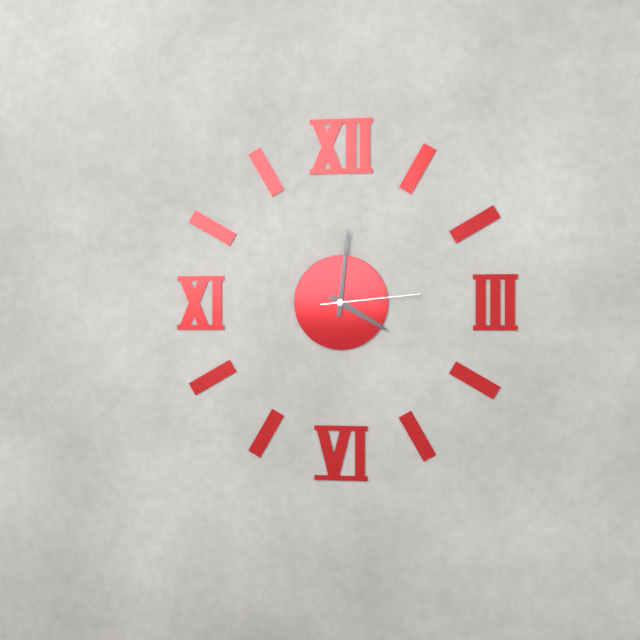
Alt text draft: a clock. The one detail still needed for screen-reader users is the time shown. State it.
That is 4:01:14
